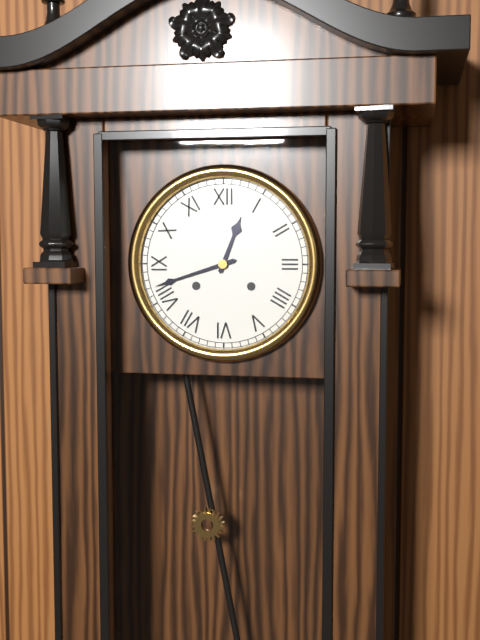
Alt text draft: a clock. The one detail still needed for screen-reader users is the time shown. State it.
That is 12:42
